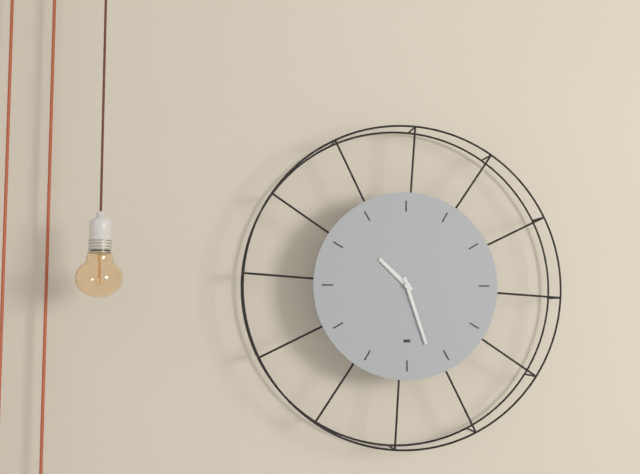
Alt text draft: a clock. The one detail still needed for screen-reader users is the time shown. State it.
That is 10:27
